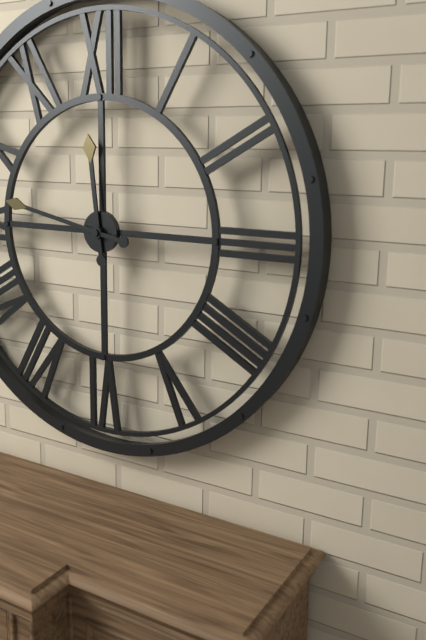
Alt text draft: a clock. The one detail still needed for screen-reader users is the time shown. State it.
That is 11:47
